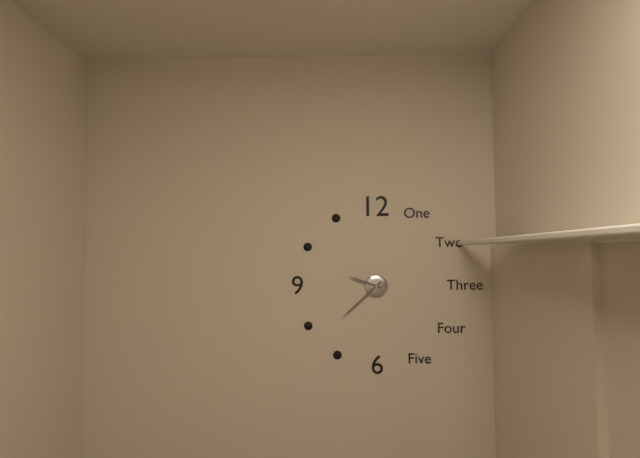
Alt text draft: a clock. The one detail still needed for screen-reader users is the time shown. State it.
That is 9:38
